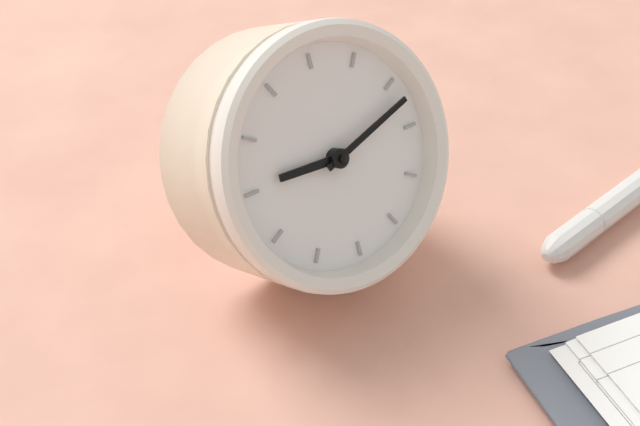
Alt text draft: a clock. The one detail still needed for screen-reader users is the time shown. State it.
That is 8:07
